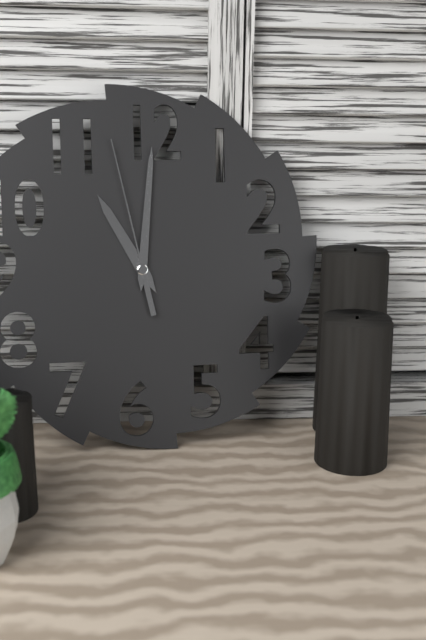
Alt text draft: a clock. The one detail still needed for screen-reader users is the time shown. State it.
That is 11:01:58
